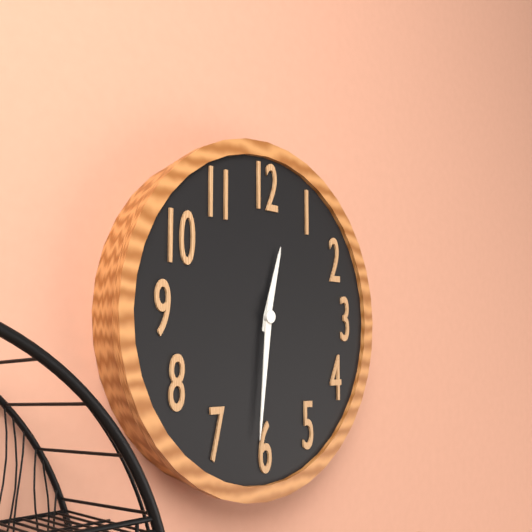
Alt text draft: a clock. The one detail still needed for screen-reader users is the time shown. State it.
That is 12:31
